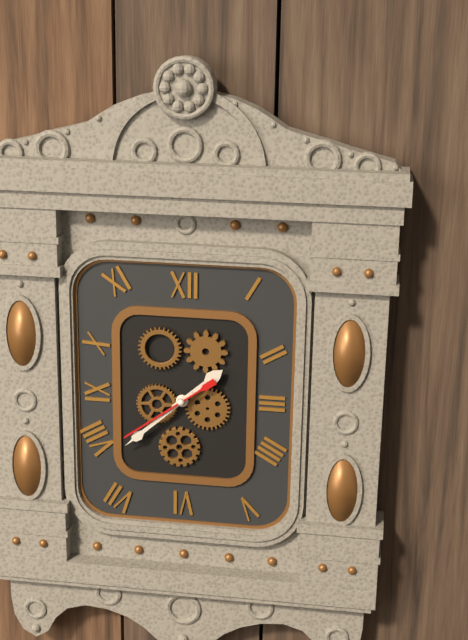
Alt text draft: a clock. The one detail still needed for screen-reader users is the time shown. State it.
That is 1:38:39
